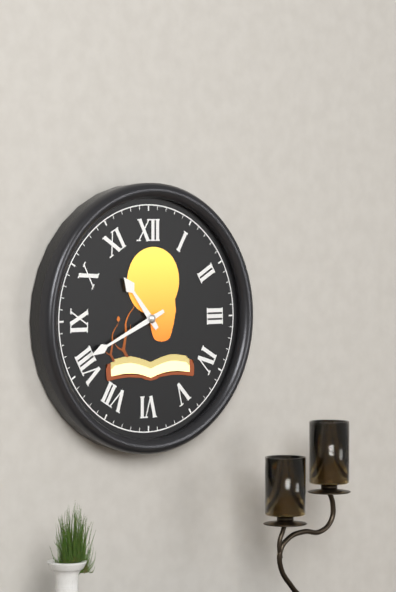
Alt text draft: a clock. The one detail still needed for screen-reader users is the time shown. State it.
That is 10:41
